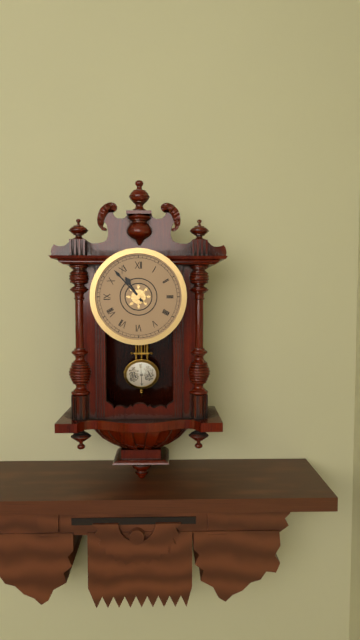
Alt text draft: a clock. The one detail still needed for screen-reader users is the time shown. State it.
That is 10:53
